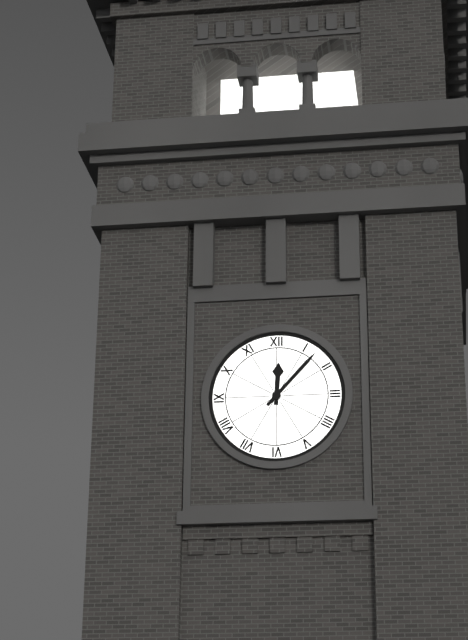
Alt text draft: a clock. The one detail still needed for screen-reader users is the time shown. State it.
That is 12:07
